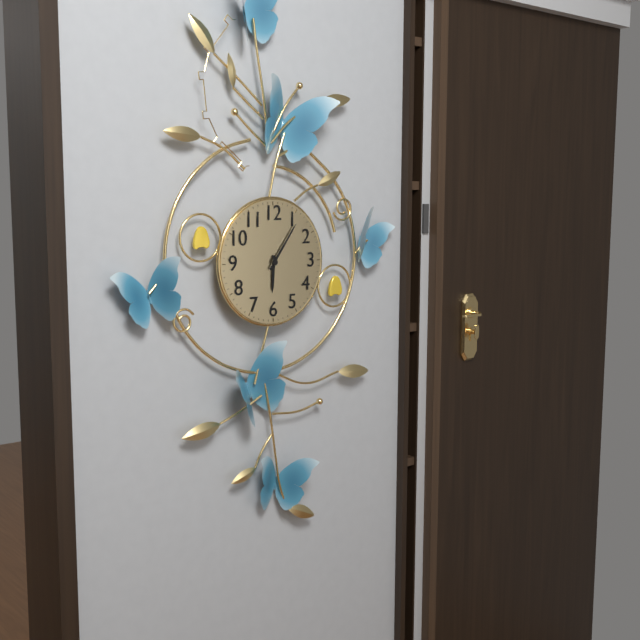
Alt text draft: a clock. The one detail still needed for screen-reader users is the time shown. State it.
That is 6:06
